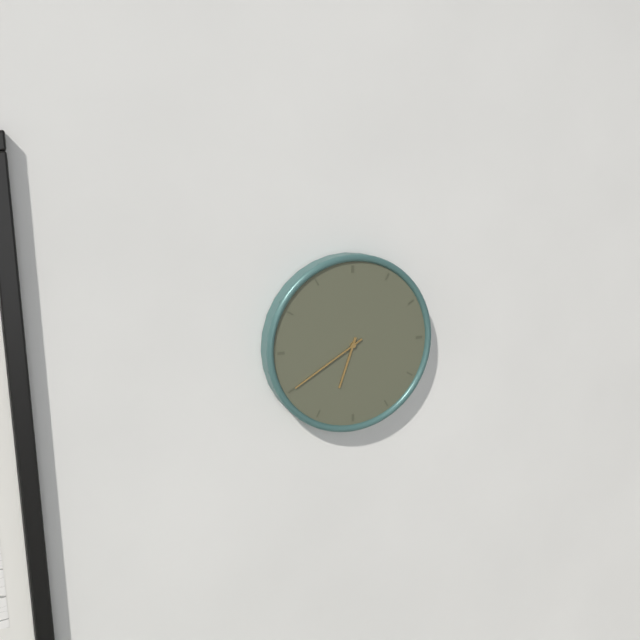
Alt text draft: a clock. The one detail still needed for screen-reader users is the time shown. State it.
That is 6:40
